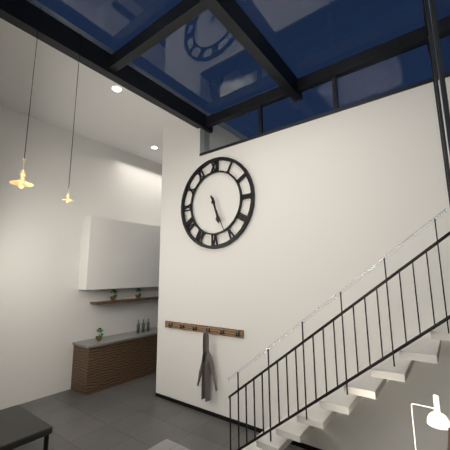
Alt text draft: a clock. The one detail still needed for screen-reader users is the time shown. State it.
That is 5:26
